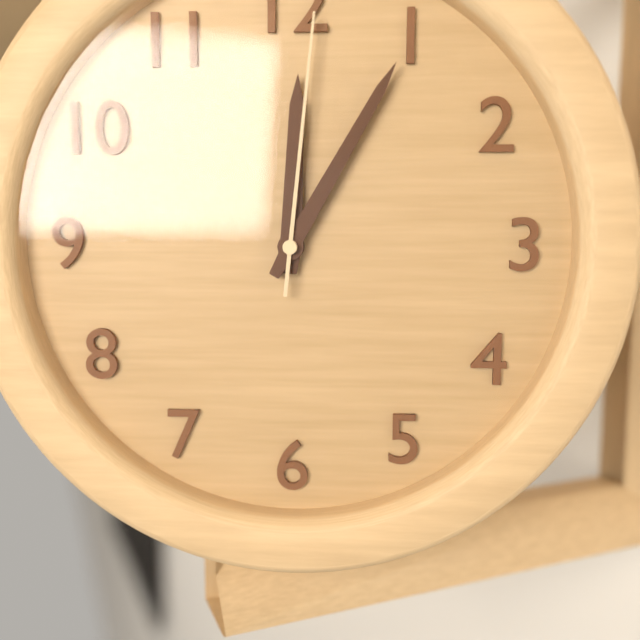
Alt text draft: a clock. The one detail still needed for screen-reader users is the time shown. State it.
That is 12:05:01
